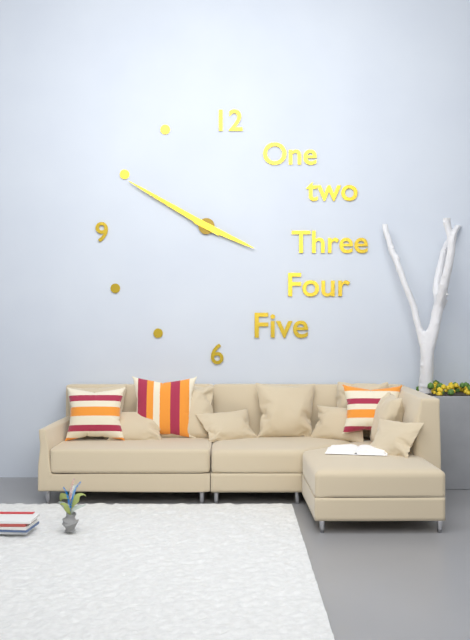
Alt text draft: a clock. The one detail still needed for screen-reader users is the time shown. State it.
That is 3:50
